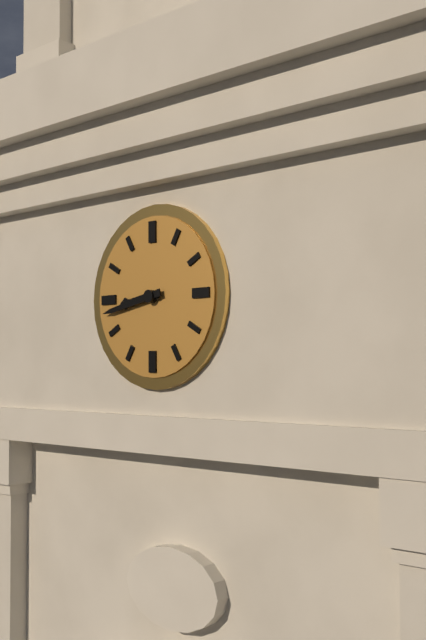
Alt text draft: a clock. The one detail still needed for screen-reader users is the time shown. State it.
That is 8:43
